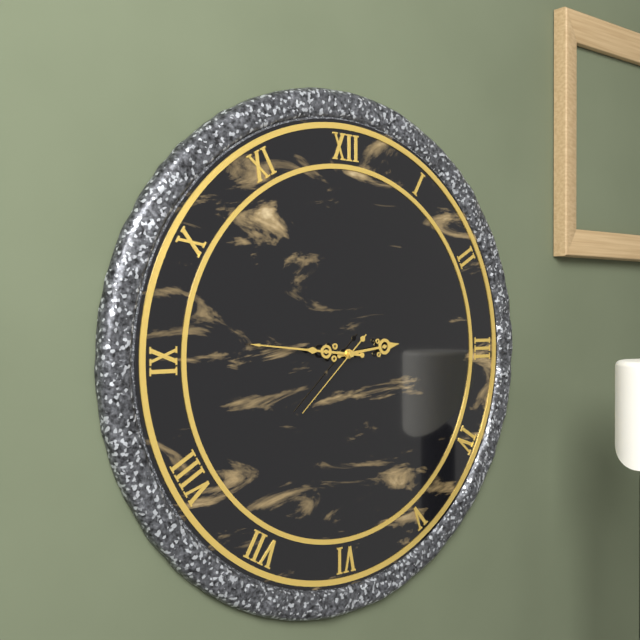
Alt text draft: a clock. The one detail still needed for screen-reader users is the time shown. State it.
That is 2:46:38
